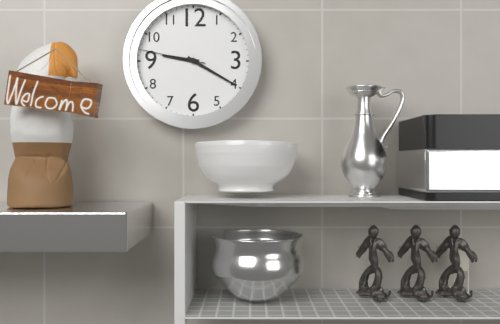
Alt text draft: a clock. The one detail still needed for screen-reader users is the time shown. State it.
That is 9:20:47
